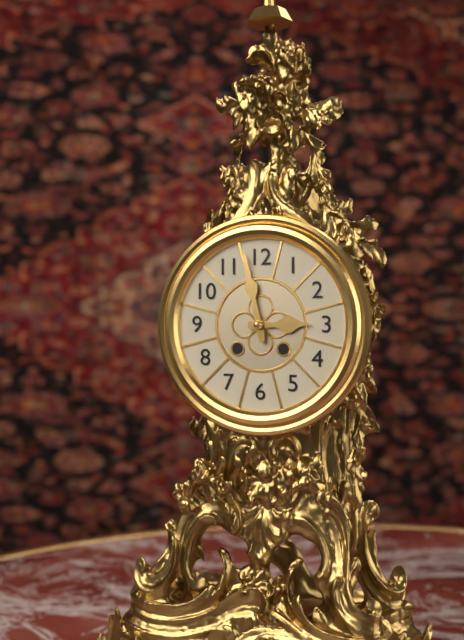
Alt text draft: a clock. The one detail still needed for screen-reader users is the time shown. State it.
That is 2:58
